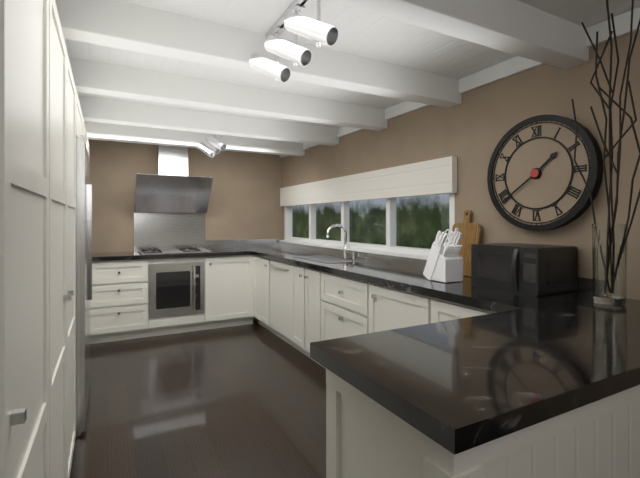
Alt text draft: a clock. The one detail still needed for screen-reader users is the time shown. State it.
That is 1:39
